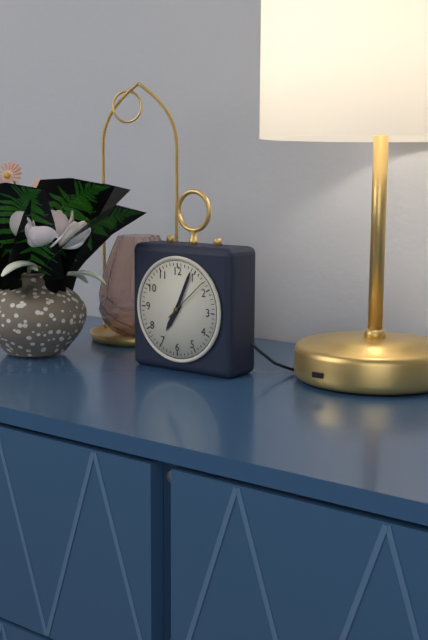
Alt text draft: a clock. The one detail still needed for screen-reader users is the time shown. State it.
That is 7:04
